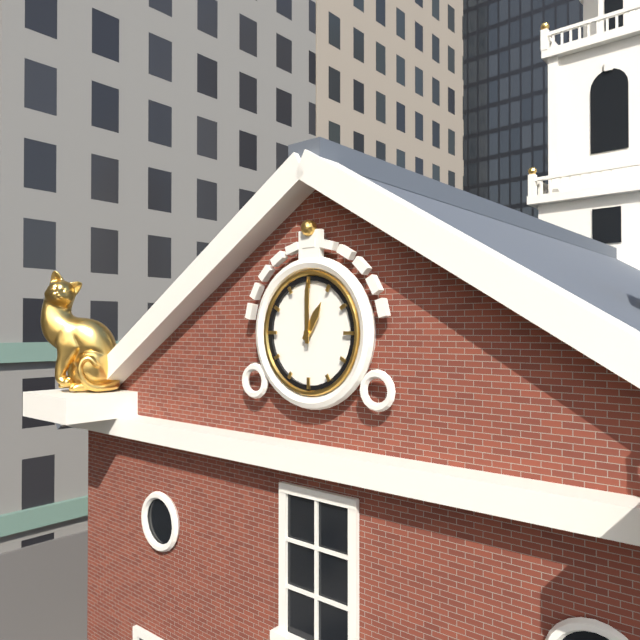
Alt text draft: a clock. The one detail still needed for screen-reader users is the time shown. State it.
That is 1:00
